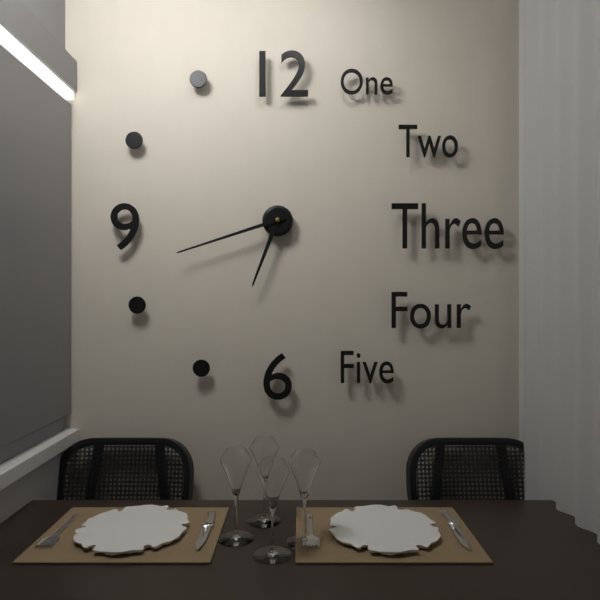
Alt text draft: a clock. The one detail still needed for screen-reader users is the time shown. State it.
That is 6:42
